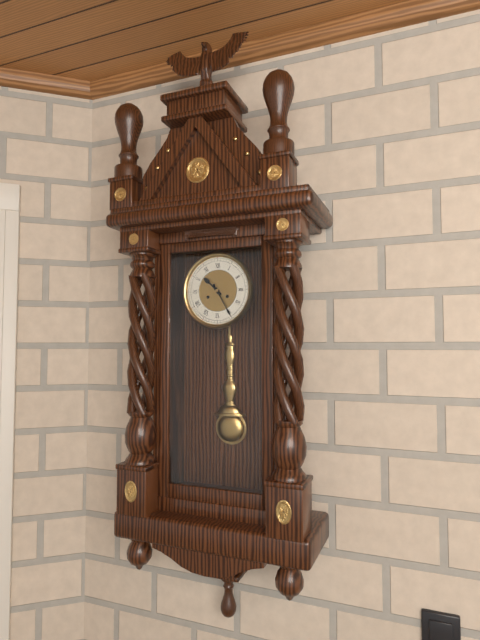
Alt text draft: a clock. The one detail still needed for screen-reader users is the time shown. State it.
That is 10:25
